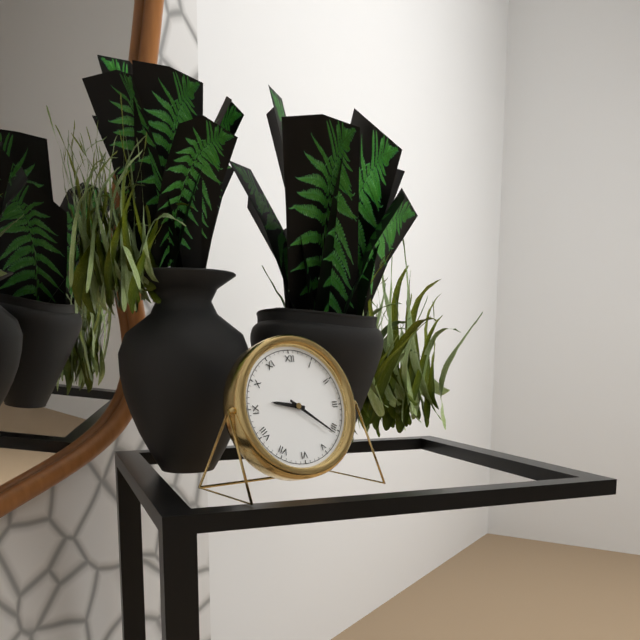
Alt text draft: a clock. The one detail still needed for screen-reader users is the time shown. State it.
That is 9:21
